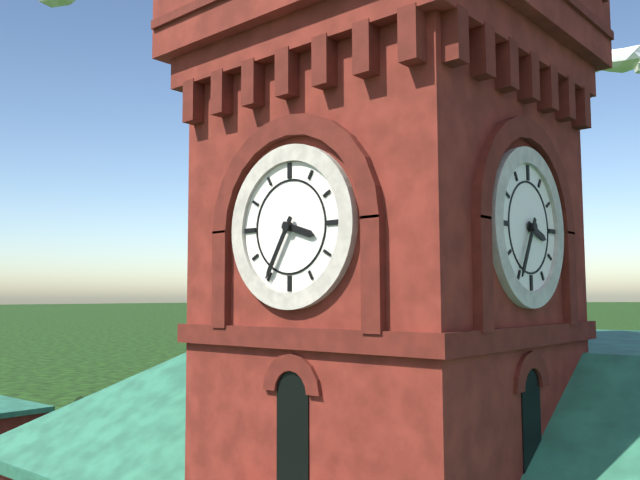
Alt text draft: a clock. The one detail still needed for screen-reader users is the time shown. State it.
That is 3:35
